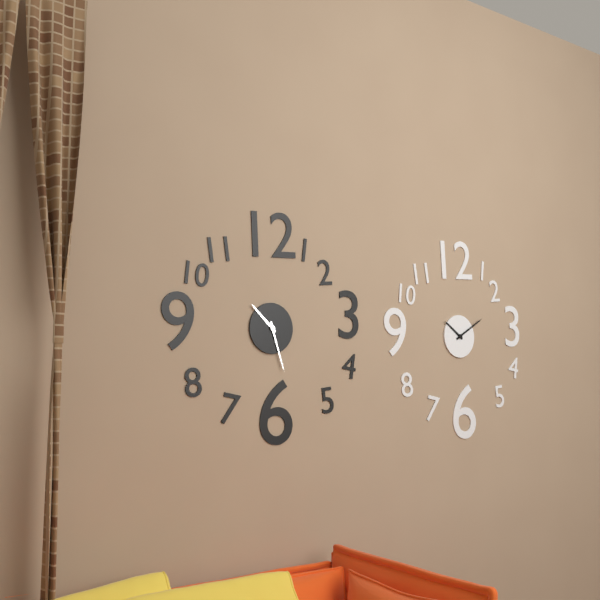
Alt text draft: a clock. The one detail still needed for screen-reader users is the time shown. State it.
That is 10:27
